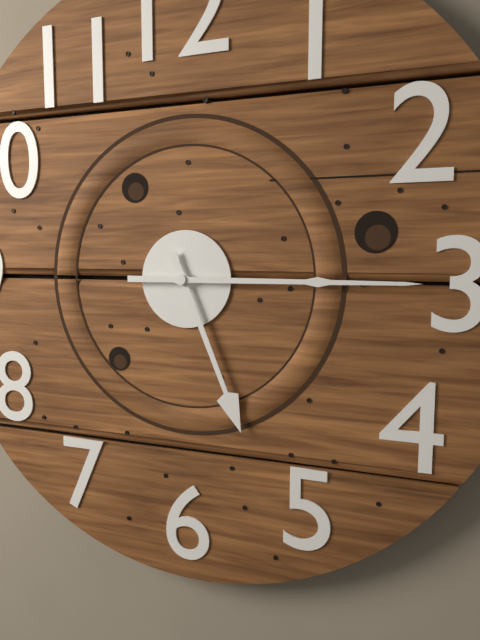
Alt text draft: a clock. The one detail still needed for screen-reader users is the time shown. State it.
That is 5:15
